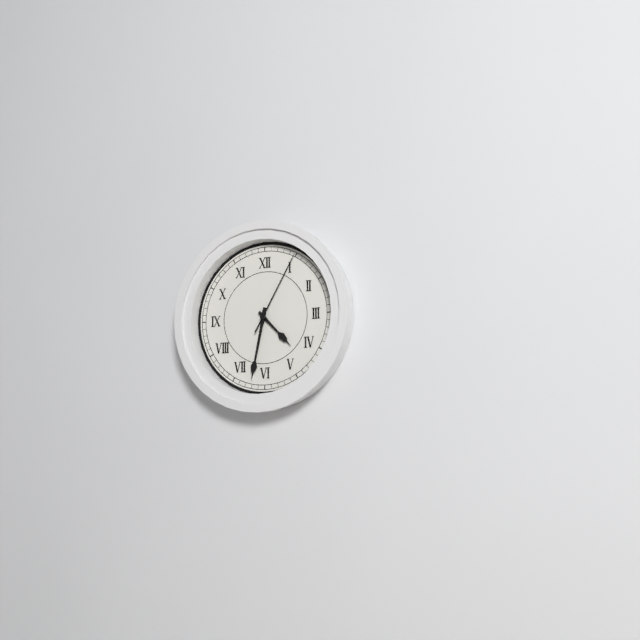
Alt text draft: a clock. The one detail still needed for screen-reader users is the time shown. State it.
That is 4:32:05
